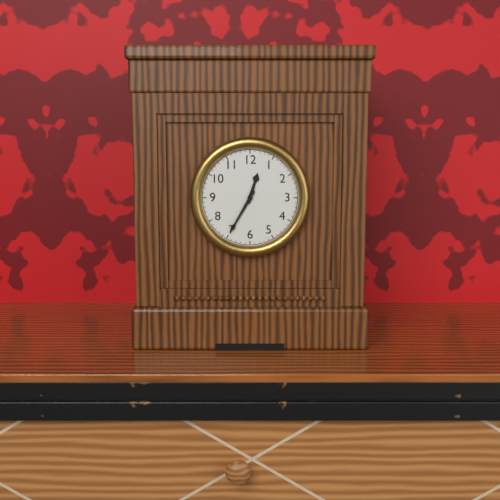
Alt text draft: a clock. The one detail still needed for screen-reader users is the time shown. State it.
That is 12:35
